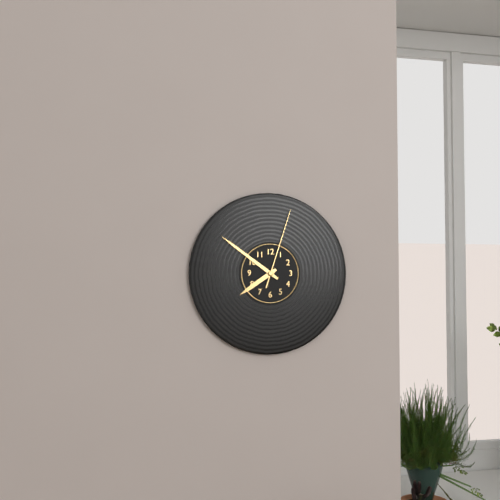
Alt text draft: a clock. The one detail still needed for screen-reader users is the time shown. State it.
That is 7:51:03
